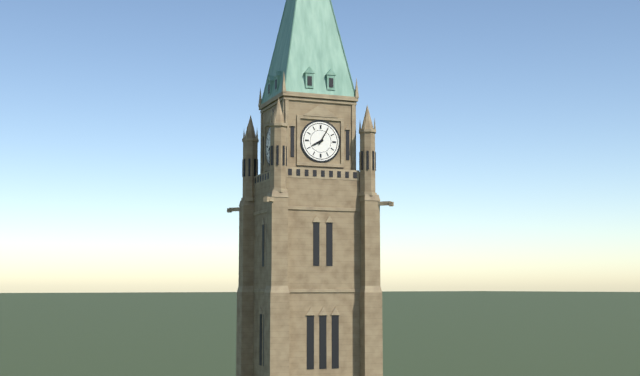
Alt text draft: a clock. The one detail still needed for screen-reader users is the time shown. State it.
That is 8:05
